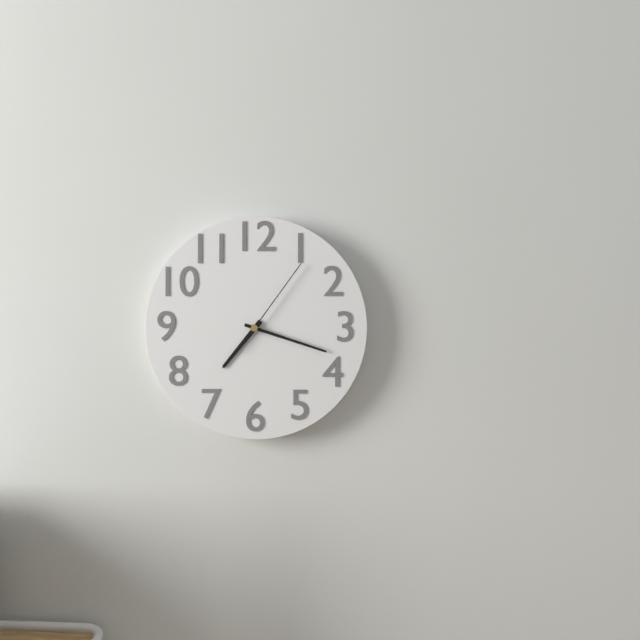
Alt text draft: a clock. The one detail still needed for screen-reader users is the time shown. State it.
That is 7:18:06
